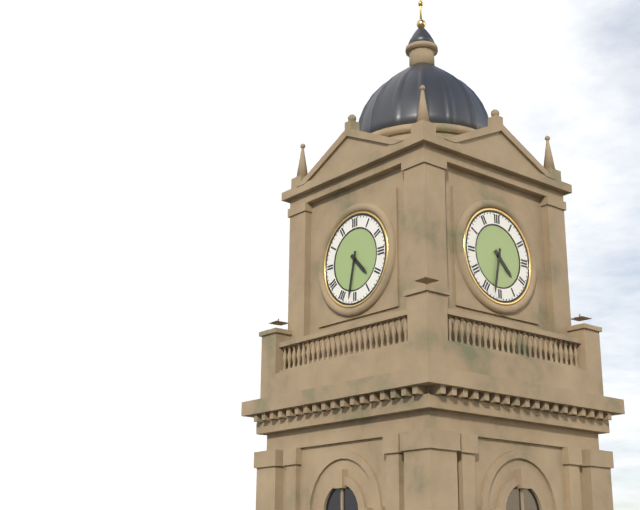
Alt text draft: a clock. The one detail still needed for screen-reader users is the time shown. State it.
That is 4:32
